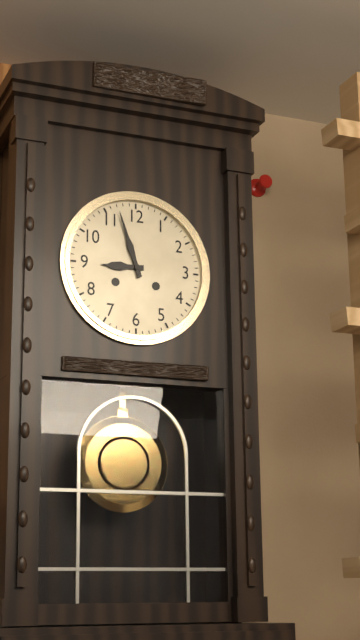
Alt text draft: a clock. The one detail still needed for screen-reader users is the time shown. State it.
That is 8:57
